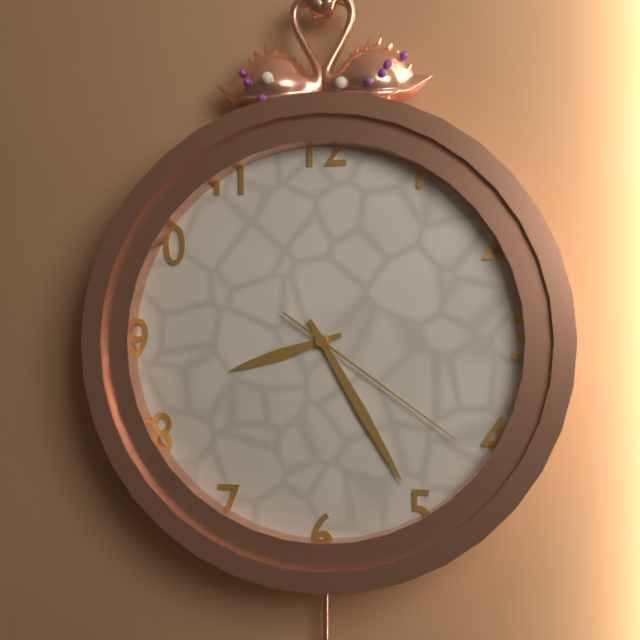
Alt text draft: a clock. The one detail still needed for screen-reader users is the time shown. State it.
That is 8:25:21
